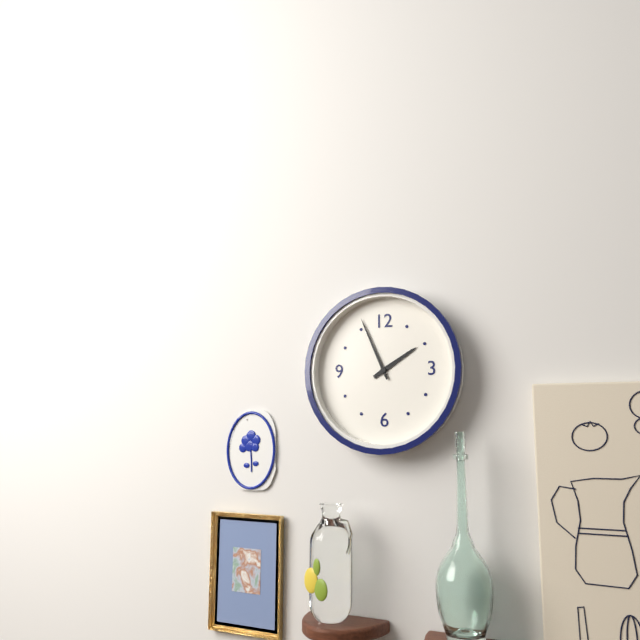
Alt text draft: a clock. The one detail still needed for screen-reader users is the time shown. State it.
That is 1:56
